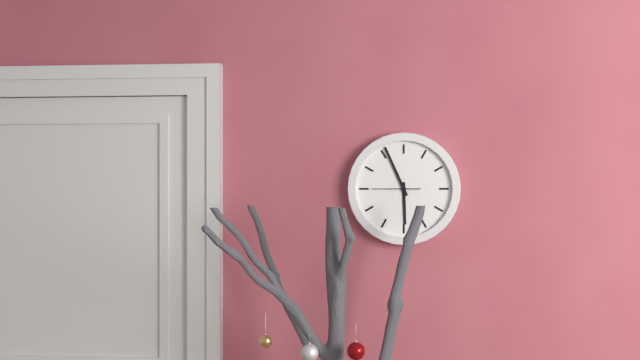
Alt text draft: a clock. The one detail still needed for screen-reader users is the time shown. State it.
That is 5:56
